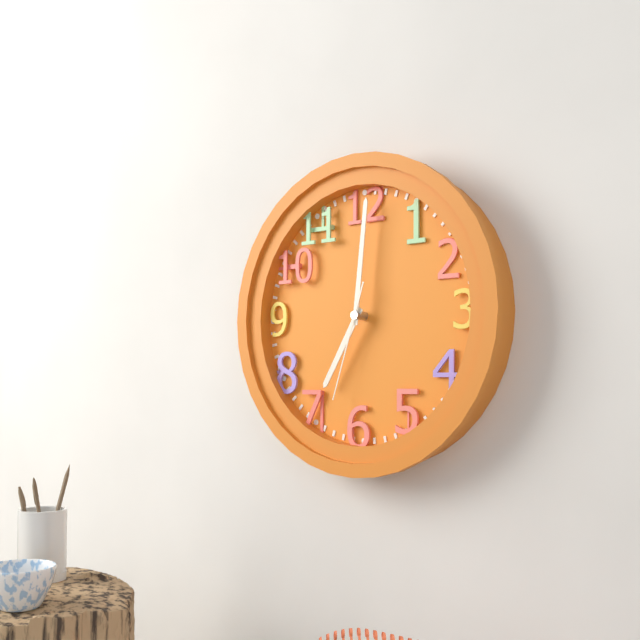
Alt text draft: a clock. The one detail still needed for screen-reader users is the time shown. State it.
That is 7:01:33
